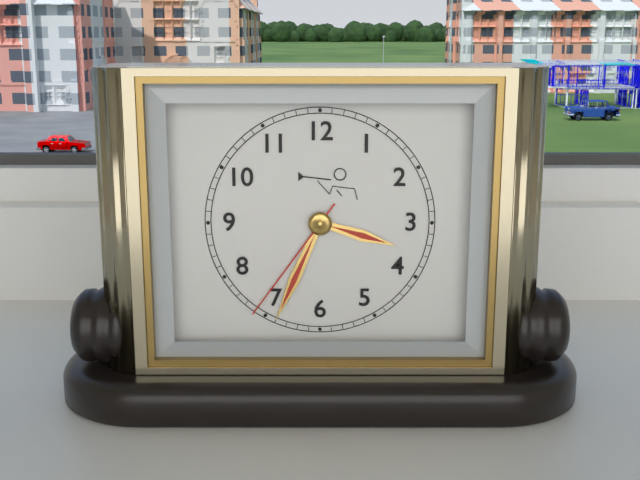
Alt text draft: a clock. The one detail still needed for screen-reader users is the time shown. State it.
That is 3:34:36
